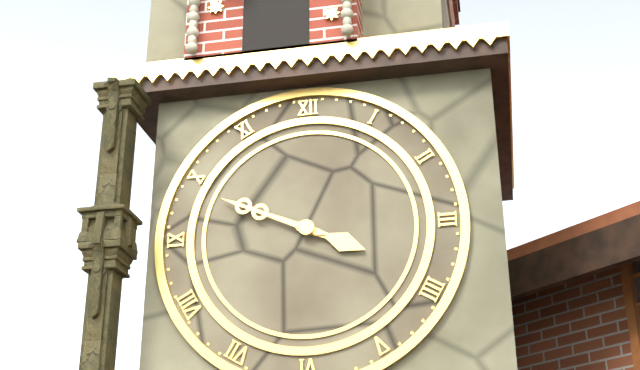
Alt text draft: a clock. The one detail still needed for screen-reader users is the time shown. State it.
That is 3:49
